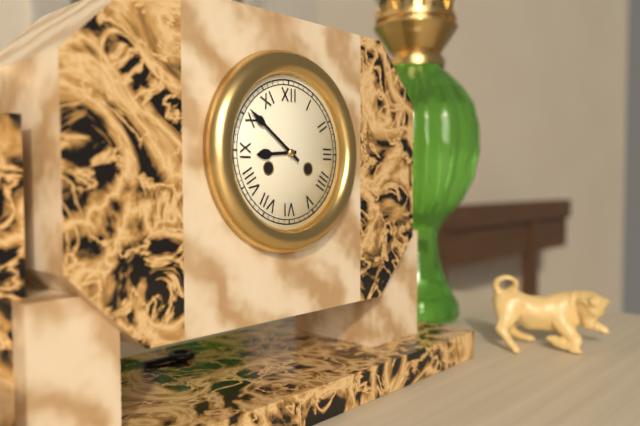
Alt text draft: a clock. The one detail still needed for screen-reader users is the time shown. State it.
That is 8:51
